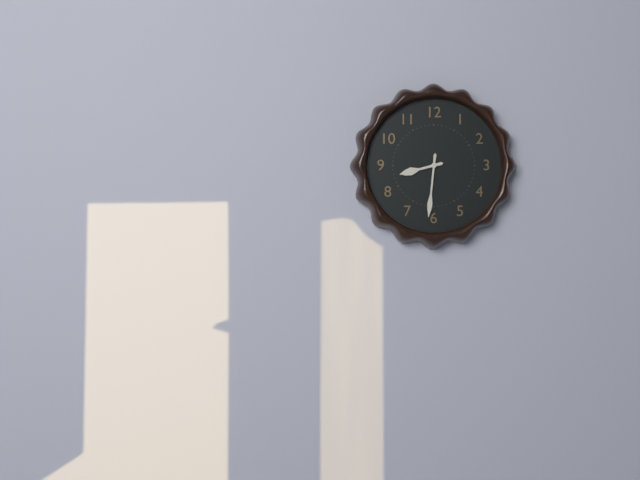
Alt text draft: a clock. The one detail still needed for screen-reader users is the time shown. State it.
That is 8:31
